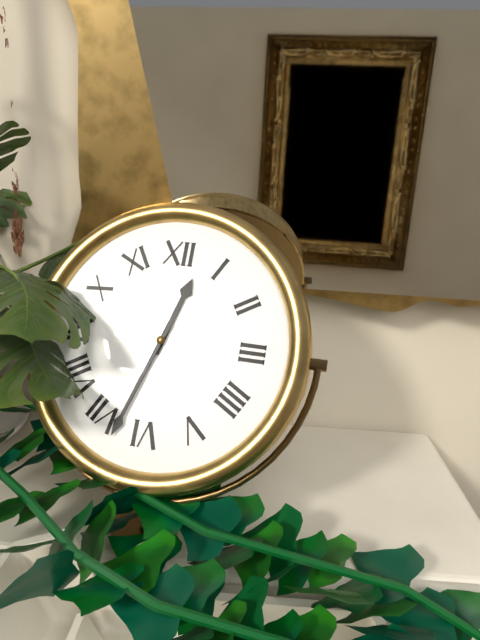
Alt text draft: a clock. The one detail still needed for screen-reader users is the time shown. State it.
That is 12:33
